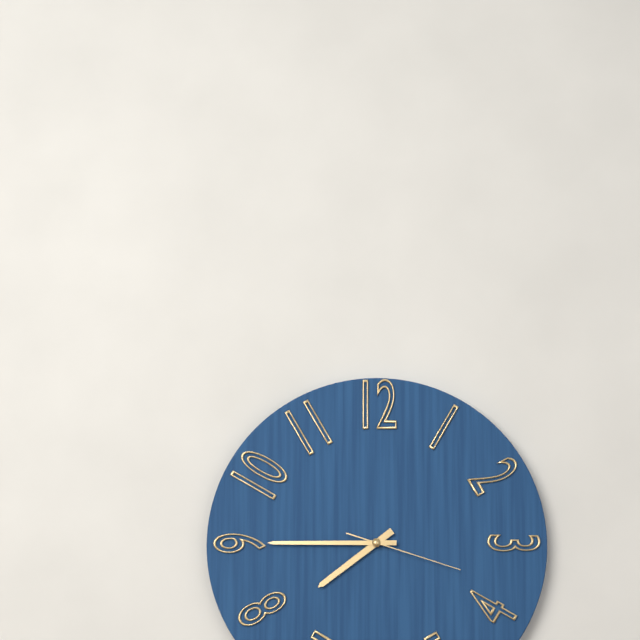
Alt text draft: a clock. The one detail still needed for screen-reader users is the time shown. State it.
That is 7:45:18
